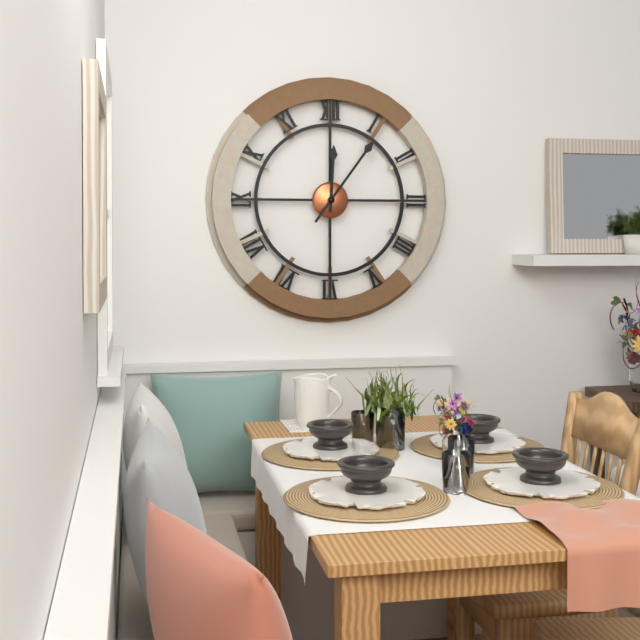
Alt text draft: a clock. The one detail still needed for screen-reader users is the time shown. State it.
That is 12:06
